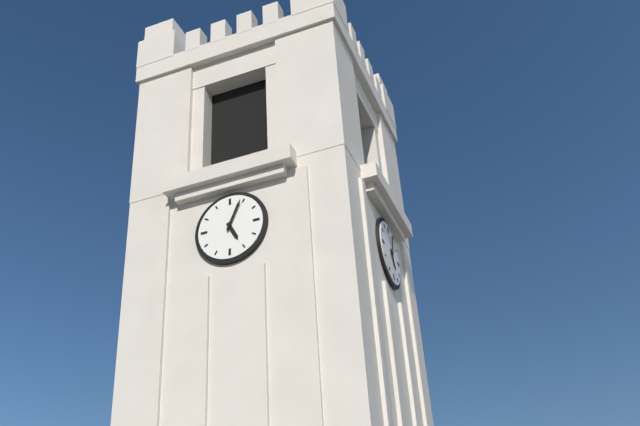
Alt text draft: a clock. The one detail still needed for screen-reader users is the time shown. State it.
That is 5:04
